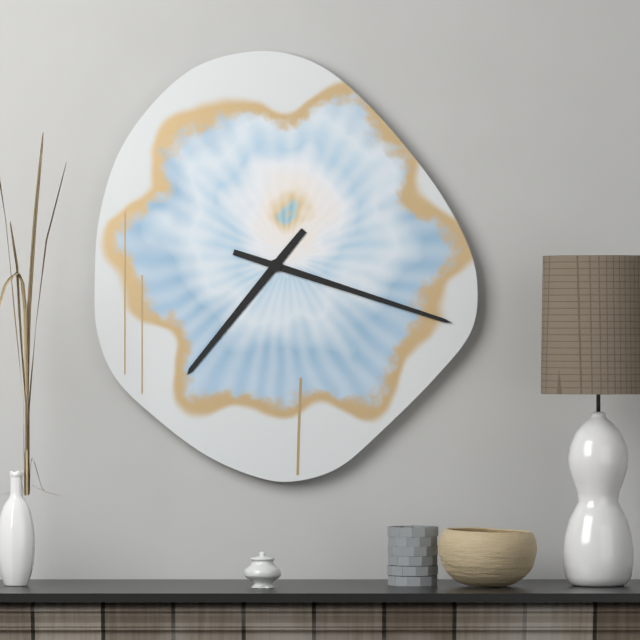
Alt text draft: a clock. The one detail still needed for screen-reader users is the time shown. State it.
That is 7:18
